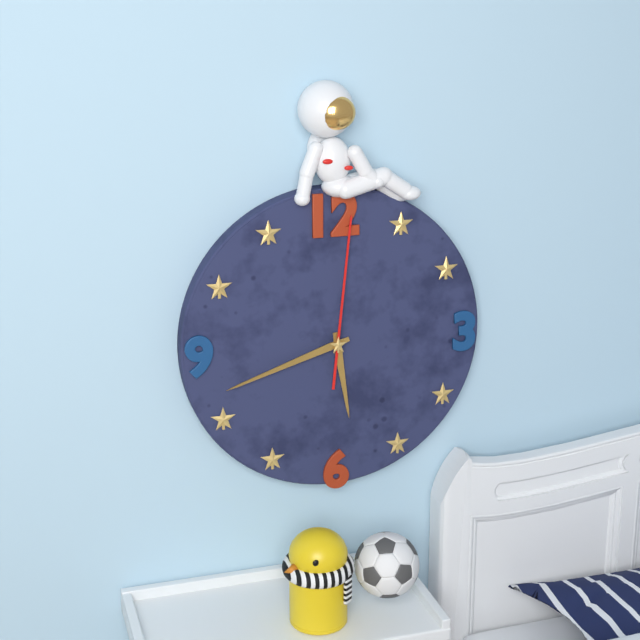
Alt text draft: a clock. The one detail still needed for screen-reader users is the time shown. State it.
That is 5:42:01
